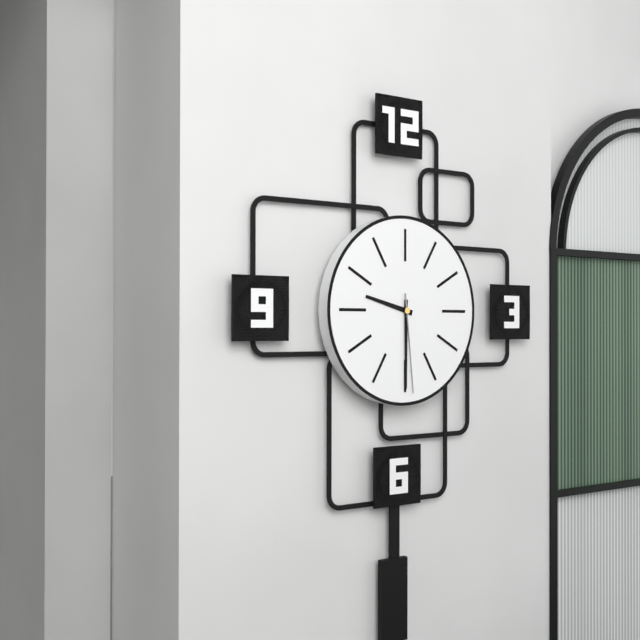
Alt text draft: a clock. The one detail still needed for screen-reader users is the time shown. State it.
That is 9:30:29
